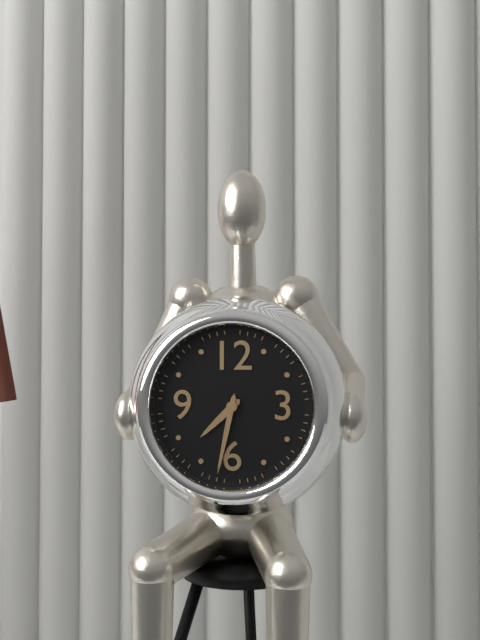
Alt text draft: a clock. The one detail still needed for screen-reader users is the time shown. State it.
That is 7:32
